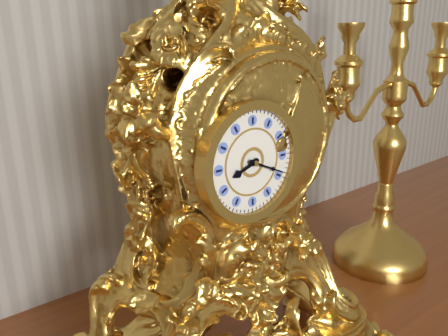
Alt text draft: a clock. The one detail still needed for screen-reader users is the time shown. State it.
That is 8:19
